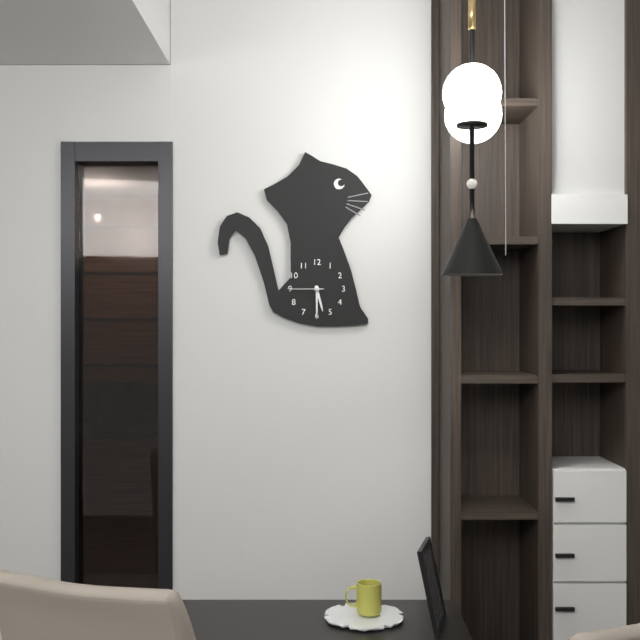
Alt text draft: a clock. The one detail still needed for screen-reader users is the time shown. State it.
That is 5:30
